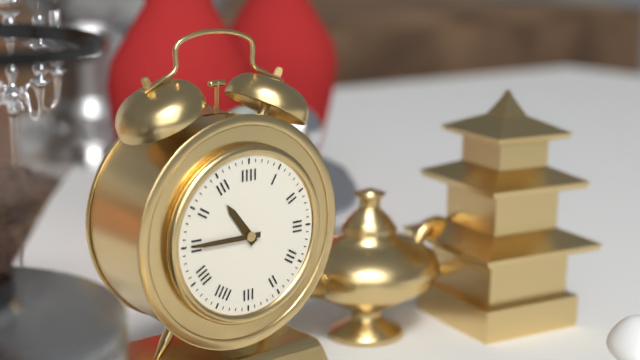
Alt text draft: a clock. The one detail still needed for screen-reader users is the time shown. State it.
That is 10:45
